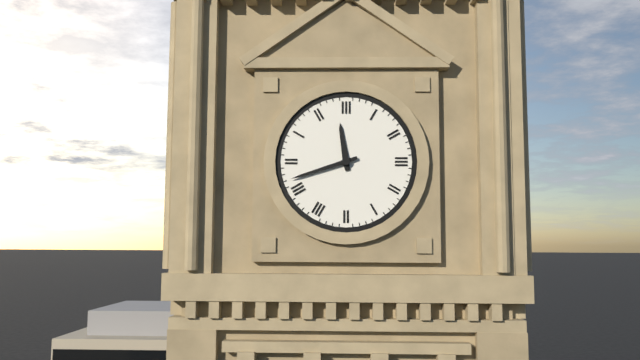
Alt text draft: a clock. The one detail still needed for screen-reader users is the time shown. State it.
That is 11:42
